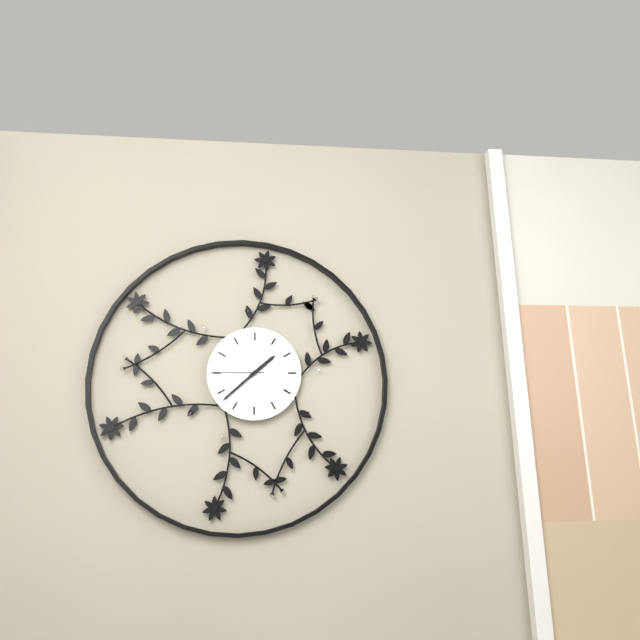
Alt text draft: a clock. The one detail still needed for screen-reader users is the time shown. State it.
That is 1:38:45
